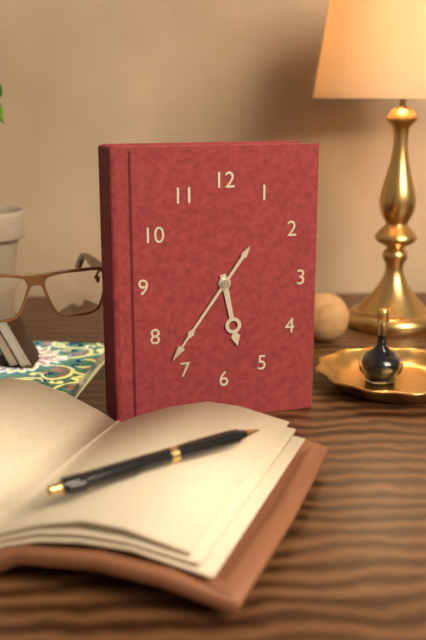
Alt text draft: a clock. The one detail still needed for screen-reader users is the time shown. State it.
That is 5:36
